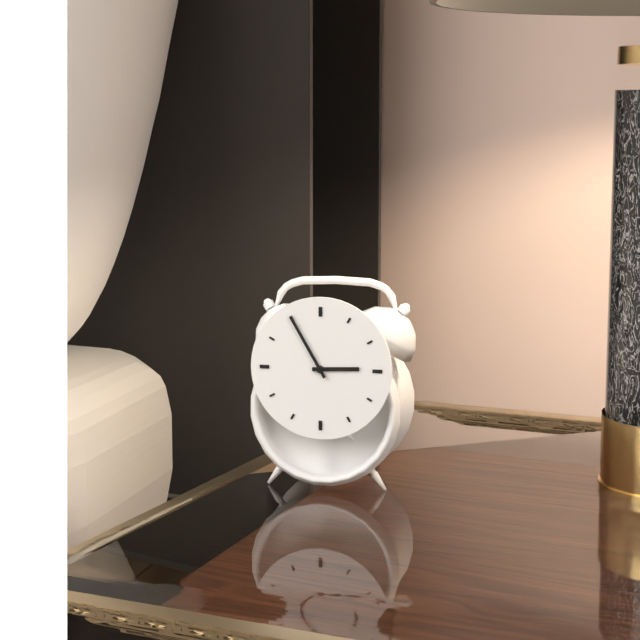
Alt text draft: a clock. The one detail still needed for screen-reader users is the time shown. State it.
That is 2:55
